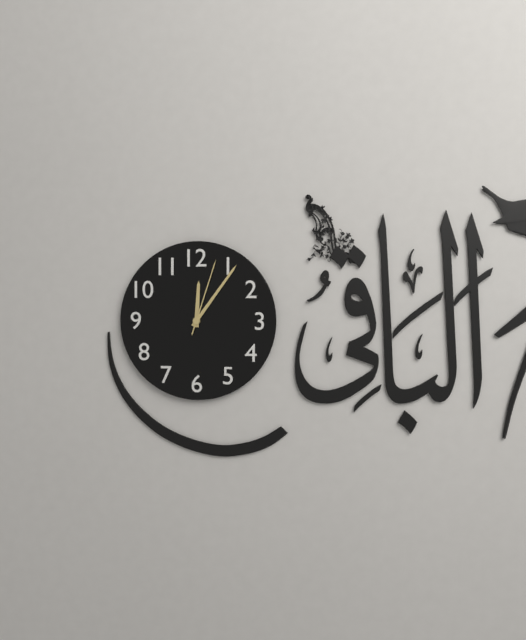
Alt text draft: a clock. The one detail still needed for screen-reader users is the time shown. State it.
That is 12:06:03
